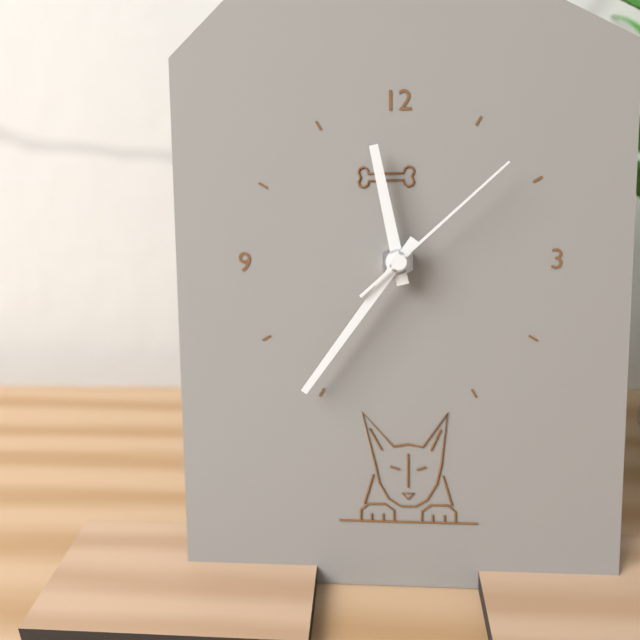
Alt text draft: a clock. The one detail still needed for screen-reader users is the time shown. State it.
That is 11:36:08
